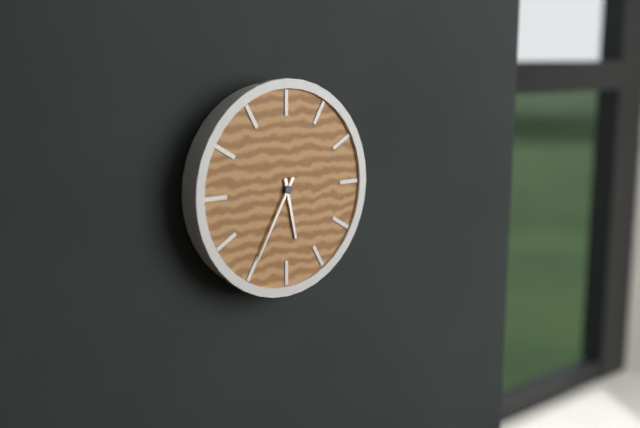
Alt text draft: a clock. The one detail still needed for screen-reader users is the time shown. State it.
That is 5:35
